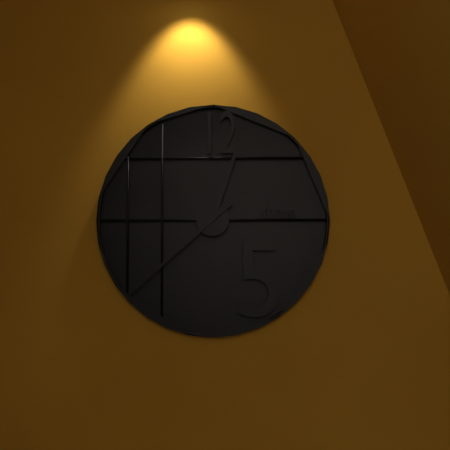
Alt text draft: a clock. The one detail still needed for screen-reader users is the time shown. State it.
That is 12:38
